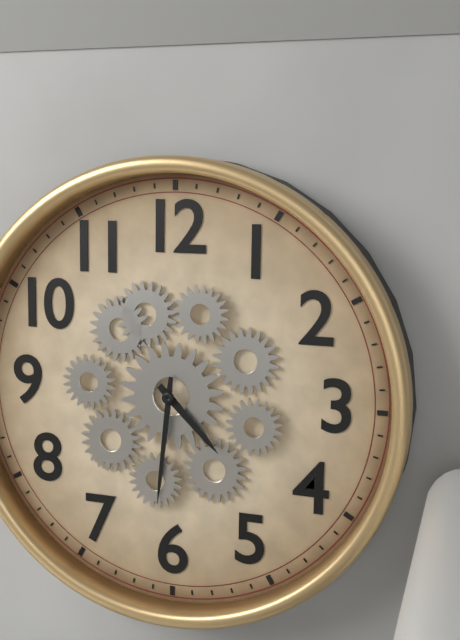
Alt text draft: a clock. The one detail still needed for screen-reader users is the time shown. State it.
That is 4:31
